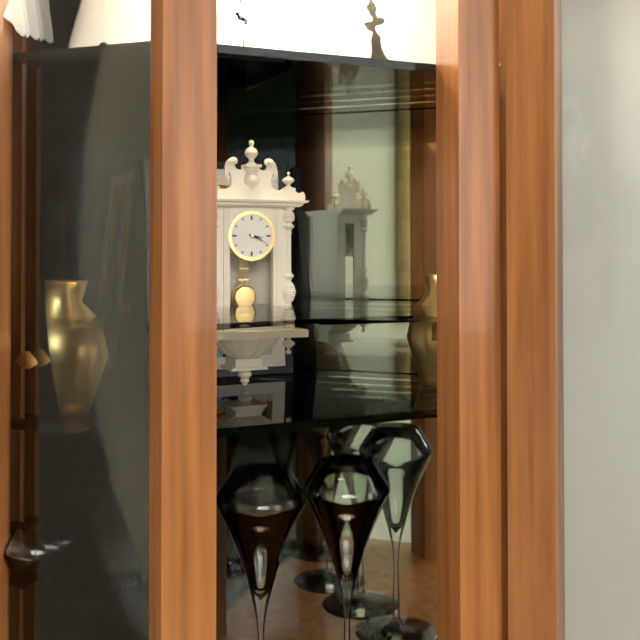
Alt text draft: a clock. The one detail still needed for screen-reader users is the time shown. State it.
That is 3:19
